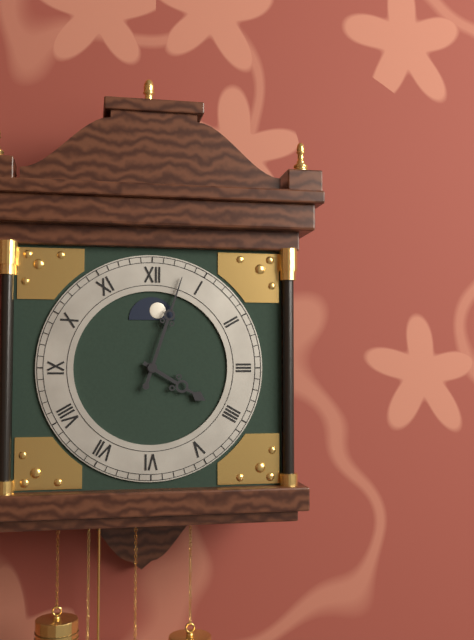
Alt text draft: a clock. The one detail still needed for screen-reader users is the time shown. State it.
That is 4:03
